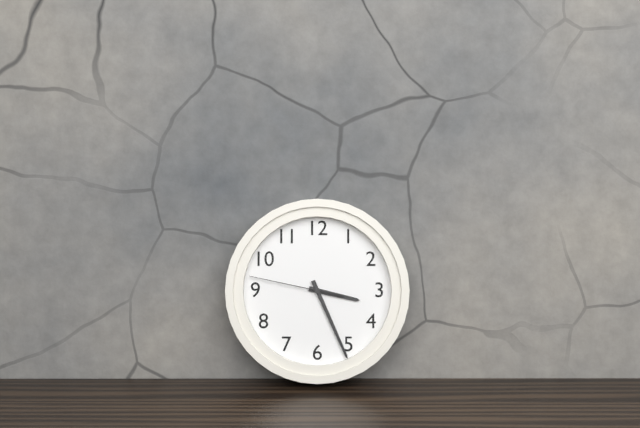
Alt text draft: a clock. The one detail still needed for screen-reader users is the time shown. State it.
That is 3:26:47
